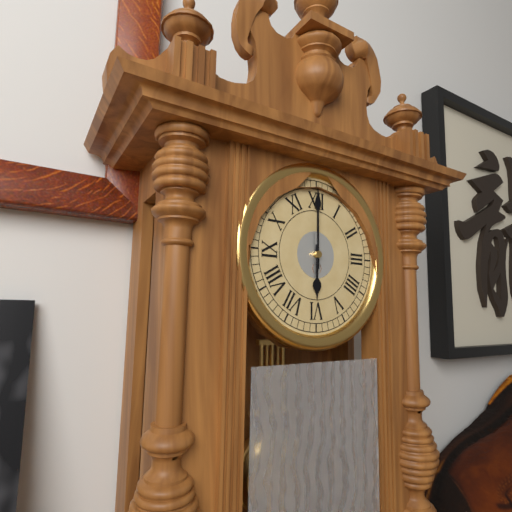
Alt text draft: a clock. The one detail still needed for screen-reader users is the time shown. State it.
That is 6:00
